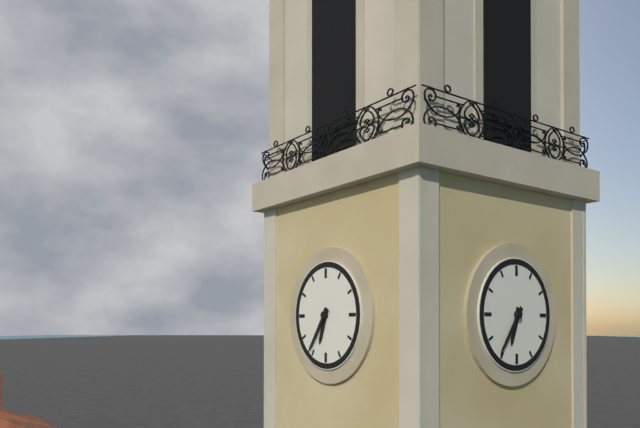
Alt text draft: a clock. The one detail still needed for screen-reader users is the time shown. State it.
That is 6:36
